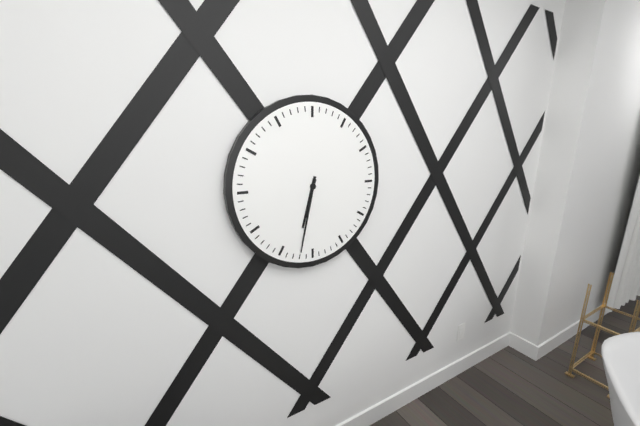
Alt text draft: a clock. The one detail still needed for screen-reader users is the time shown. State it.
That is 6:32
